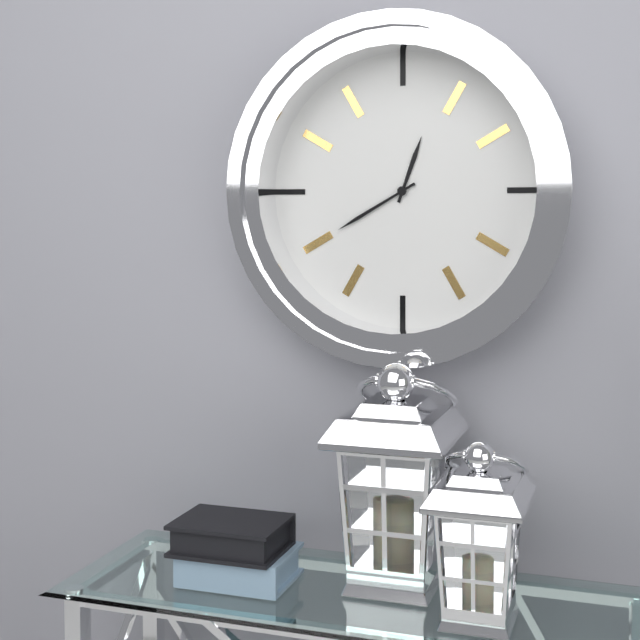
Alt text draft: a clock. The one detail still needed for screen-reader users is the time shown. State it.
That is 12:40
